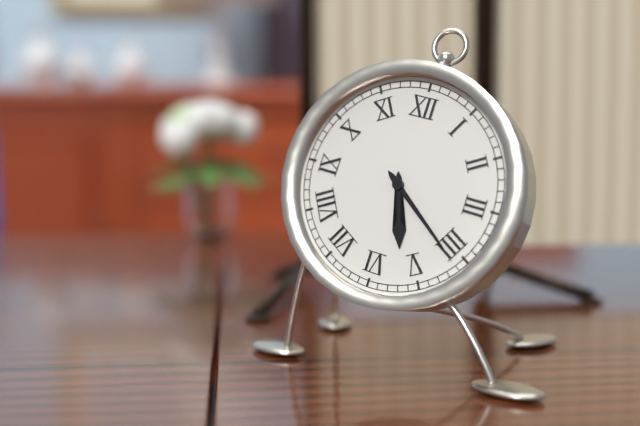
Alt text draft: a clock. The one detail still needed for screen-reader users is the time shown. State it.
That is 5:21
